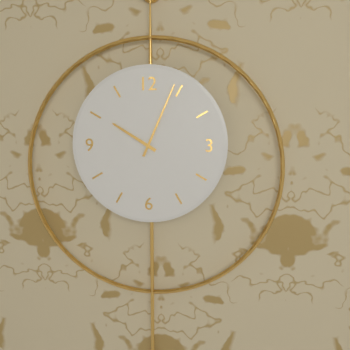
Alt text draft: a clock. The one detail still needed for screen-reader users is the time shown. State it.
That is 10:04
